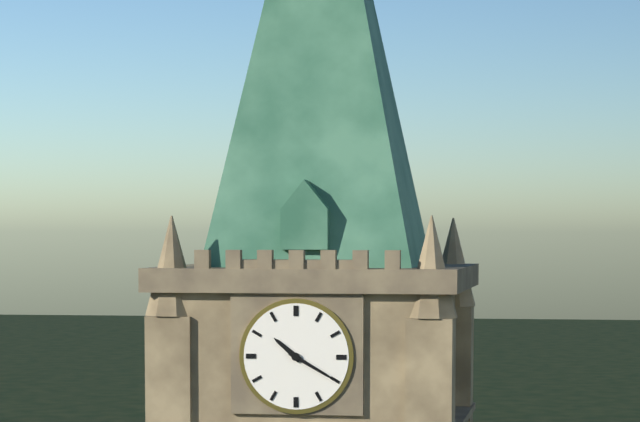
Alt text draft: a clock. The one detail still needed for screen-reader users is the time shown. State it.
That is 10:20
